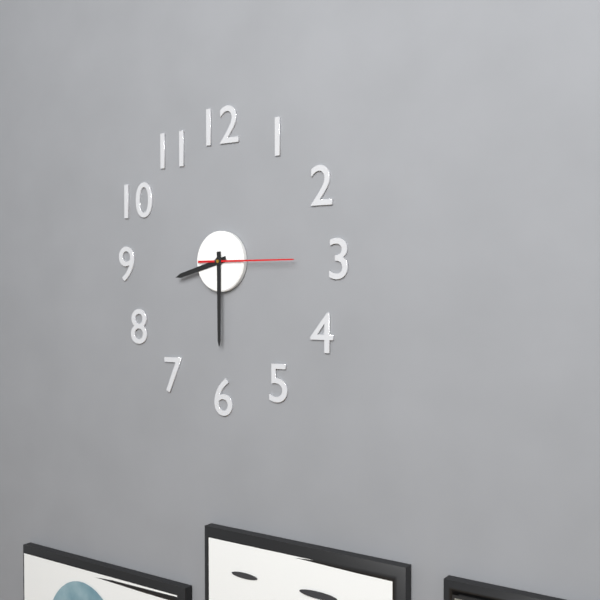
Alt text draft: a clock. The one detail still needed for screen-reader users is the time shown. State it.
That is 8:30:15
